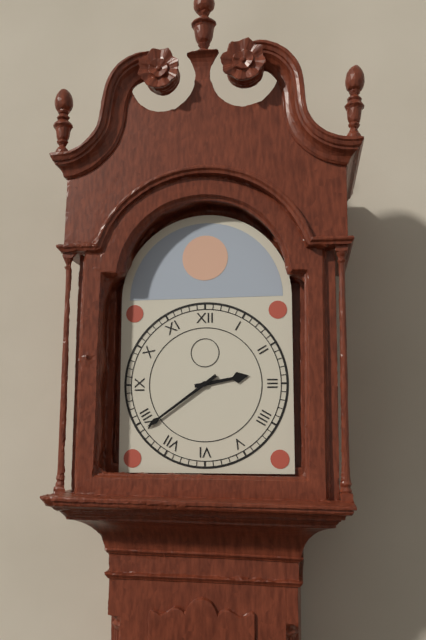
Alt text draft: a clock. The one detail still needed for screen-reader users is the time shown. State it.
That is 2:39
